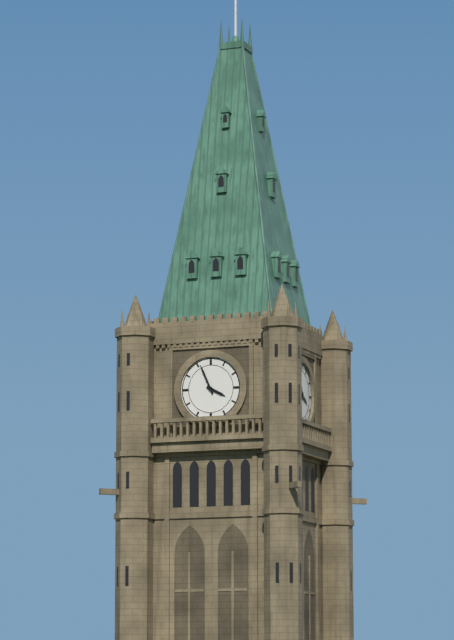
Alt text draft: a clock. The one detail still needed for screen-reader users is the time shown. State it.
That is 3:56
